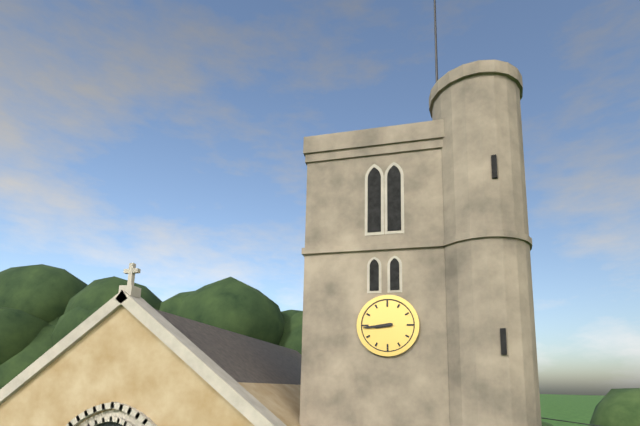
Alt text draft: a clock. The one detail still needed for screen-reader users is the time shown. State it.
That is 8:44
